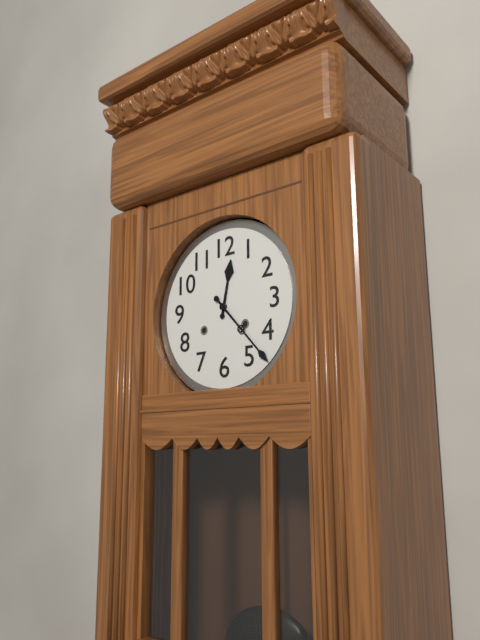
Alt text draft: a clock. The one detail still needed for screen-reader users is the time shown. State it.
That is 12:23
